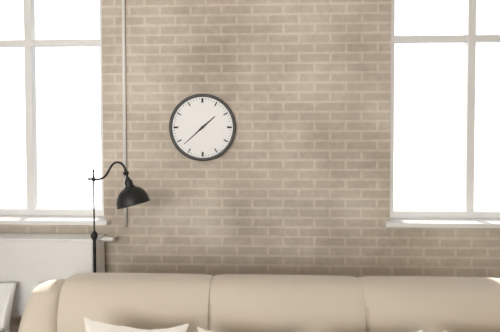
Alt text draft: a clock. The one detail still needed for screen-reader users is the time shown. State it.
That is 1:38
